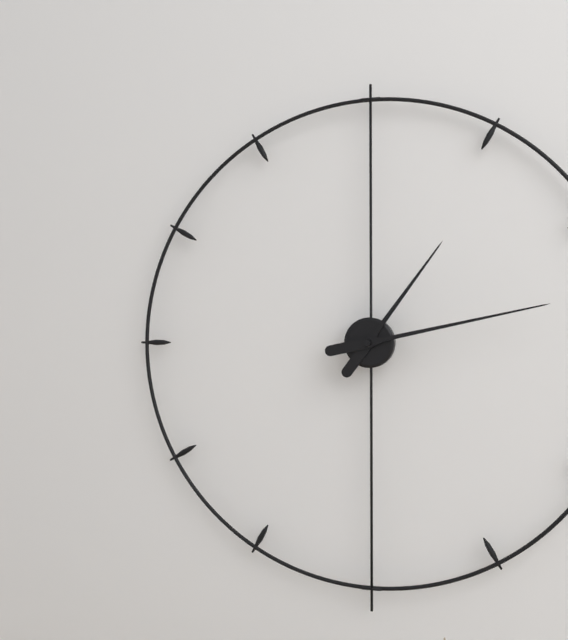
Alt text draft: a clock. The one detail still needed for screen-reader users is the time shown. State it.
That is 1:13
